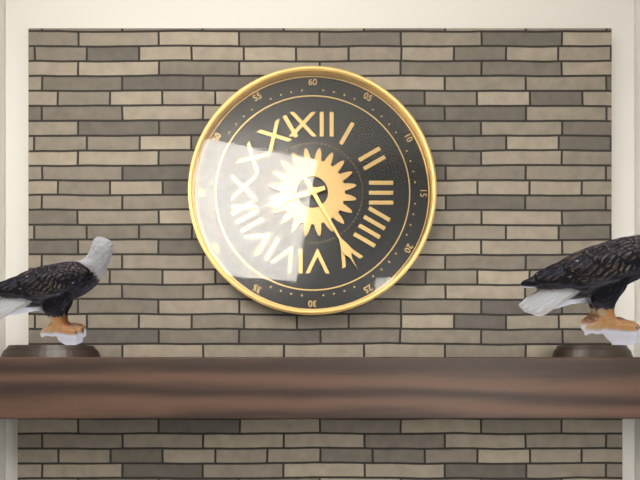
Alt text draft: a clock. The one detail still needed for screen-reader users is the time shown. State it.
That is 8:25
